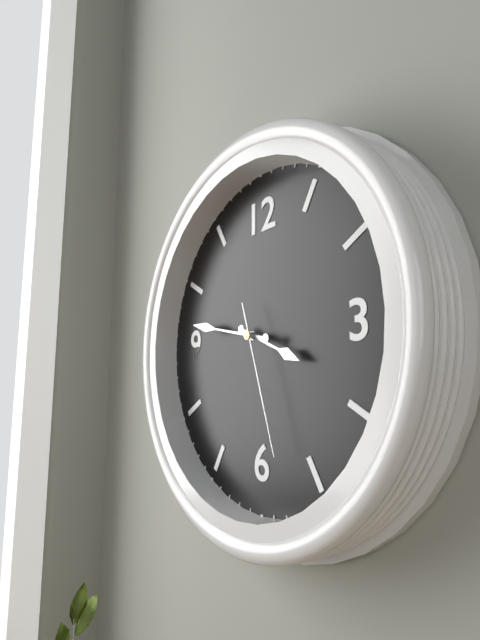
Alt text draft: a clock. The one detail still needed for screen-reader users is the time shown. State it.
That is 3:47:27
